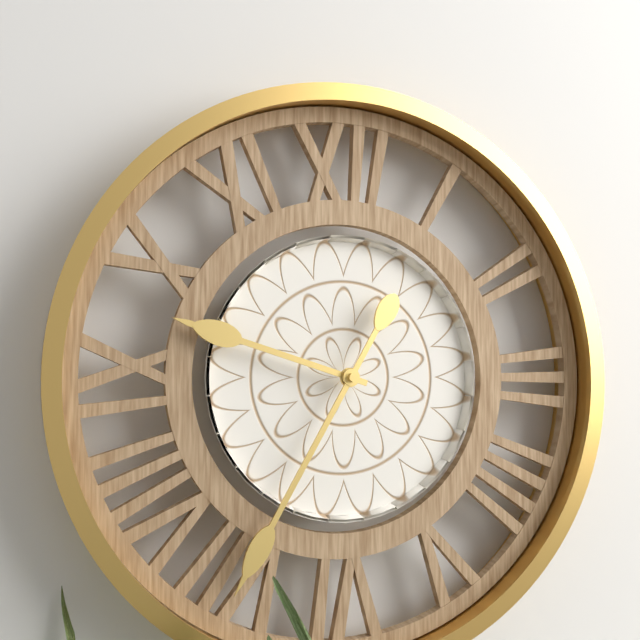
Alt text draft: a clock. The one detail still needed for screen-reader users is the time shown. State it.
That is 9:35
